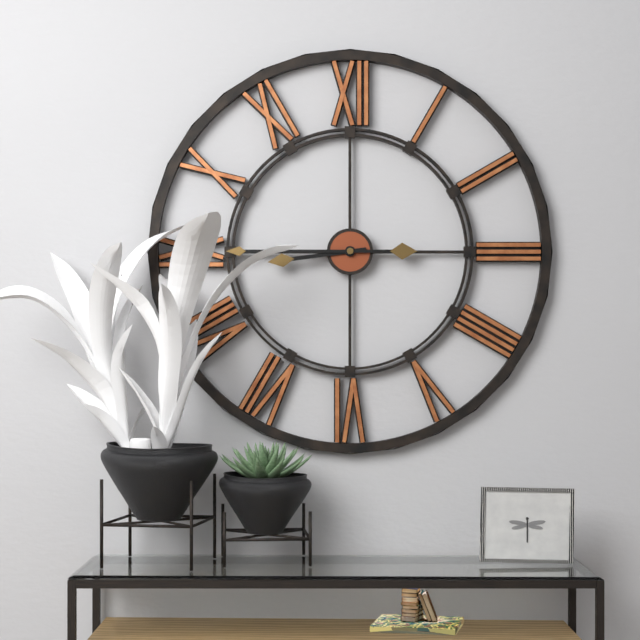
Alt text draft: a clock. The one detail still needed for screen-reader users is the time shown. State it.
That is 8:45
